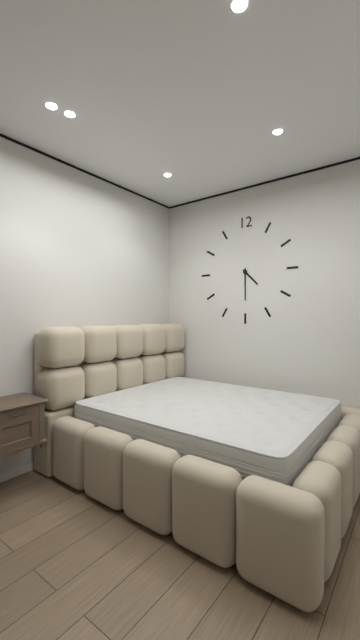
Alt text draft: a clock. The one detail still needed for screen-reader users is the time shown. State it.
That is 4:30
